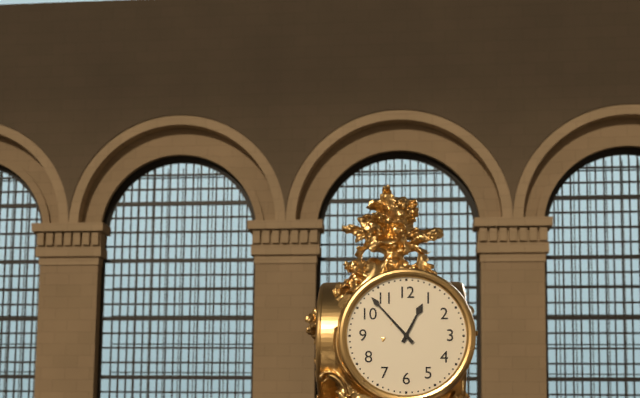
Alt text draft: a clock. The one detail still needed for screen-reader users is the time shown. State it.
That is 12:53
